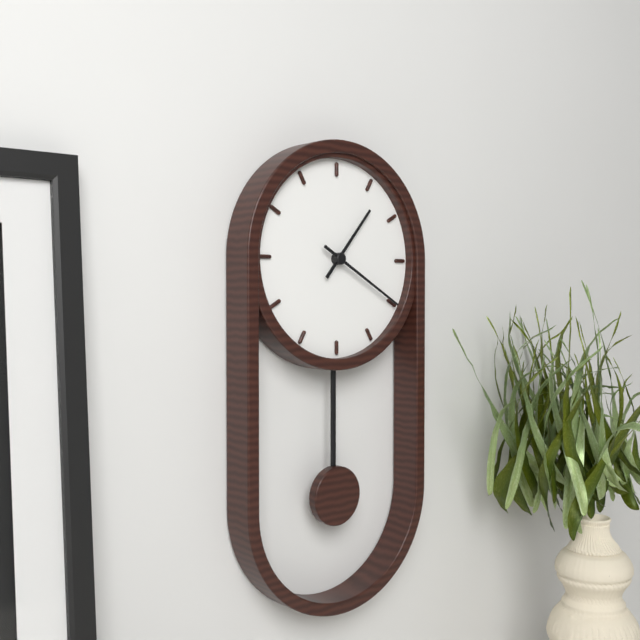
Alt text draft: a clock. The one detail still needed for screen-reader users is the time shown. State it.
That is 1:20
